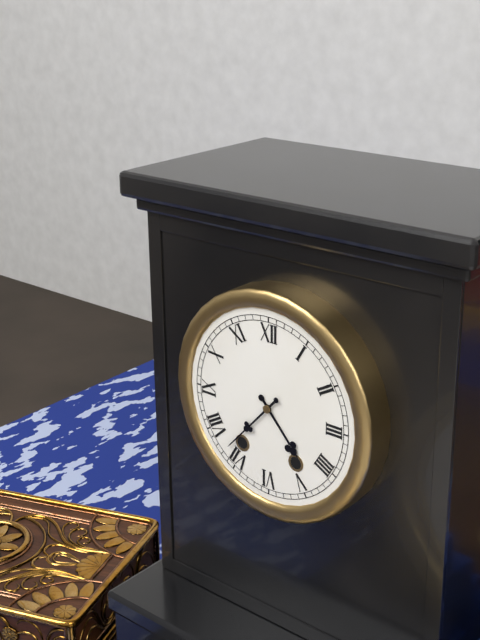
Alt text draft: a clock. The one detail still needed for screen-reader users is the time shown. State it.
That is 4:37
